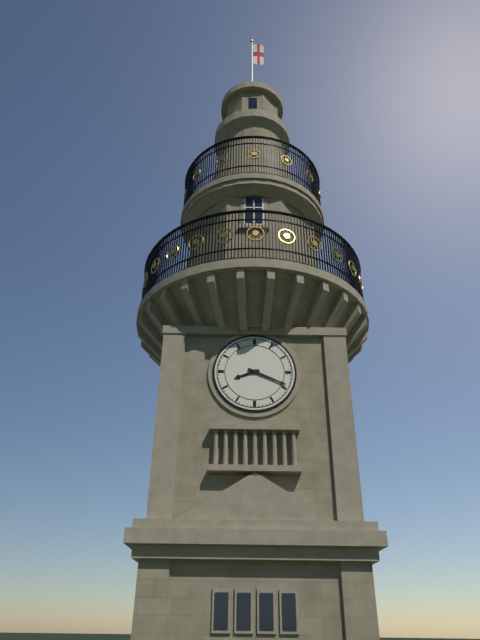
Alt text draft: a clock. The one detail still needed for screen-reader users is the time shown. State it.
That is 8:19
